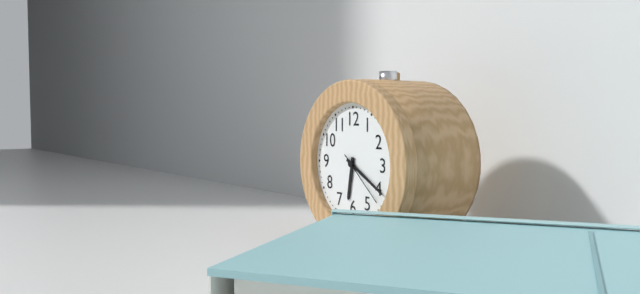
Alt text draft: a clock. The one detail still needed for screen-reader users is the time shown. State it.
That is 6:20:22
